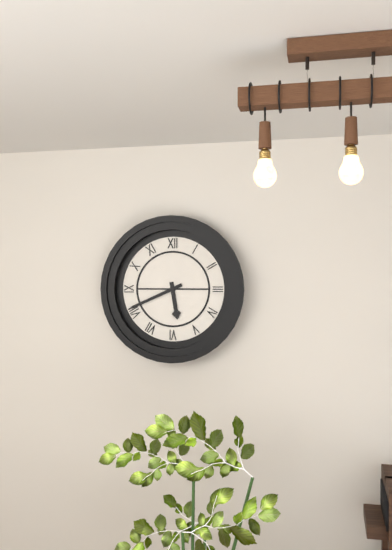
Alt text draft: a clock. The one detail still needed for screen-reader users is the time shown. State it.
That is 5:41
